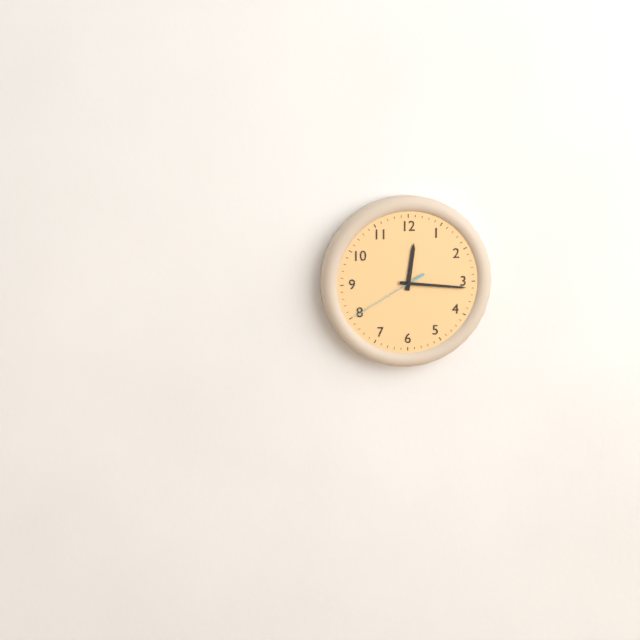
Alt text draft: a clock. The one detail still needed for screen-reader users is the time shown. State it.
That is 12:16:40
